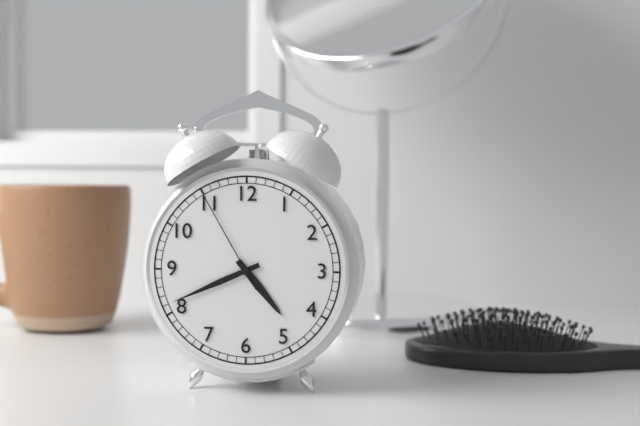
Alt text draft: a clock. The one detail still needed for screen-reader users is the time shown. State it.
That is 4:41:55
